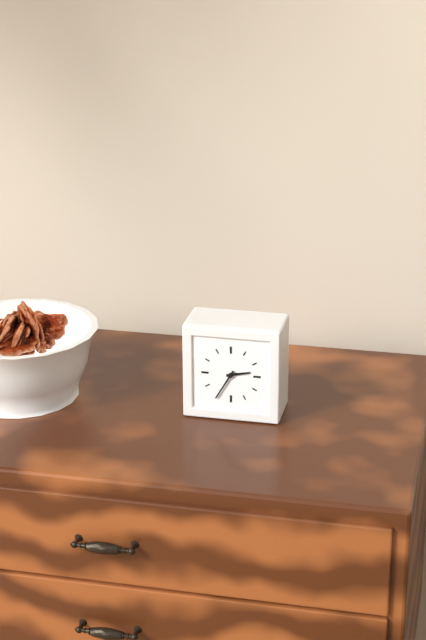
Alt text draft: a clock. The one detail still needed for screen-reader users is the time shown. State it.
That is 2:35
